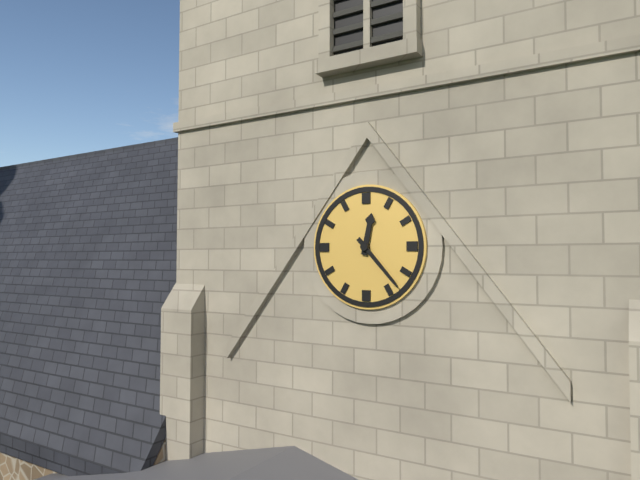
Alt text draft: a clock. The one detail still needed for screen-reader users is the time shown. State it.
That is 12:23
